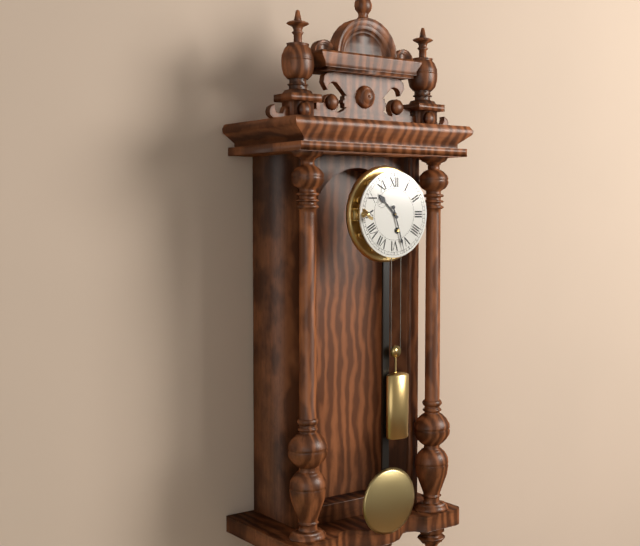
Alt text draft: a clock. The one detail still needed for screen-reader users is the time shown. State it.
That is 10:27
